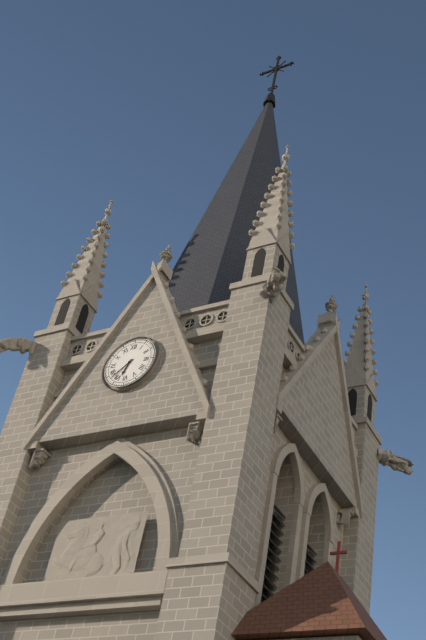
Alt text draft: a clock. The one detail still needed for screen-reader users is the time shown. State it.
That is 6:38
